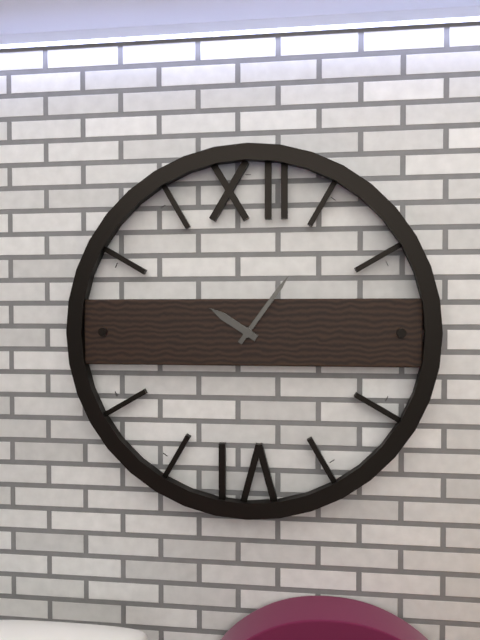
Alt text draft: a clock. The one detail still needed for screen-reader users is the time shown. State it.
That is 10:06
